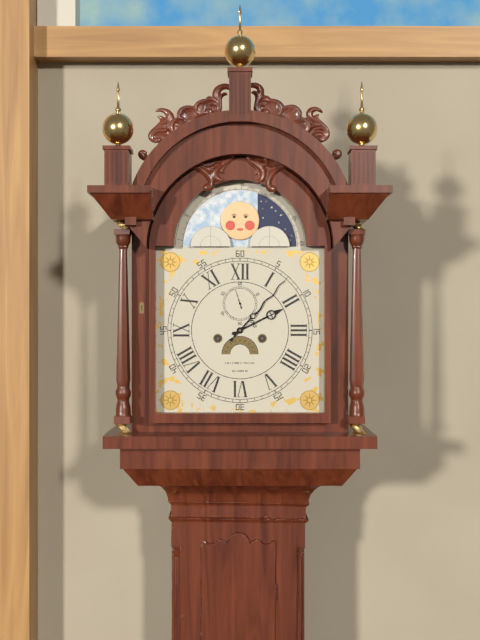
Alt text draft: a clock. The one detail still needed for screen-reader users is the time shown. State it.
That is 2:07
